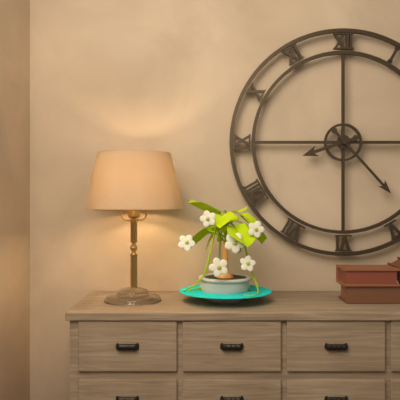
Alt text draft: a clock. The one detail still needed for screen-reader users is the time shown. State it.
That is 8:23
